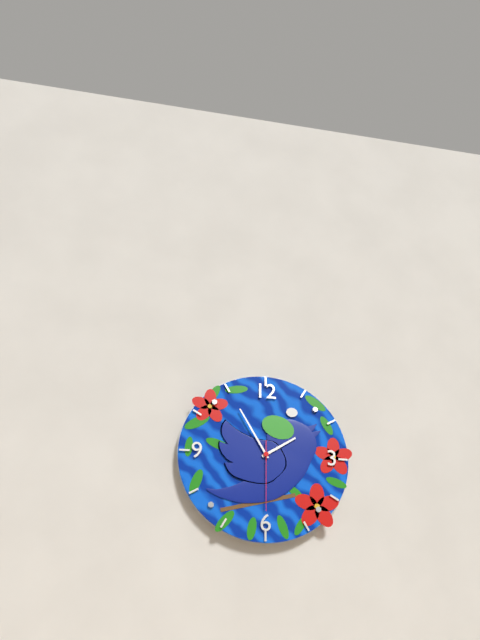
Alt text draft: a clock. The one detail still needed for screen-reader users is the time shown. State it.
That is 1:55:30
